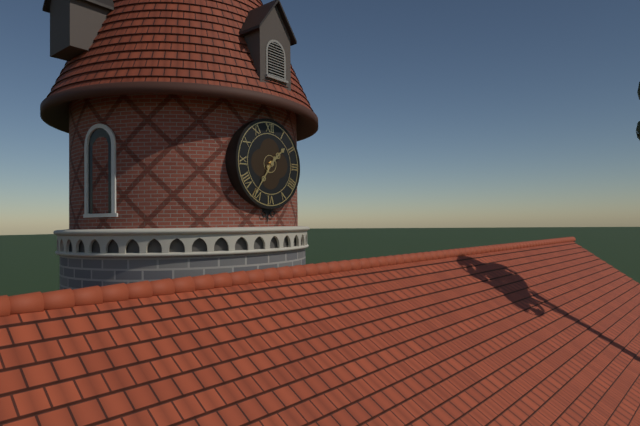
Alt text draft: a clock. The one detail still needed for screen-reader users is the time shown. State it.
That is 1:36
